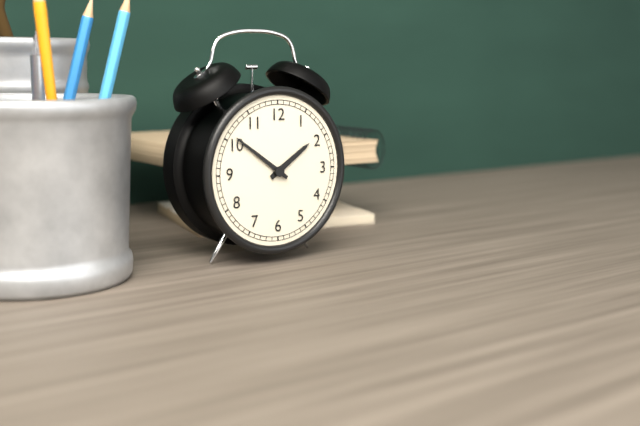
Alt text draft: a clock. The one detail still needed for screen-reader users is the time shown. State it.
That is 1:51
